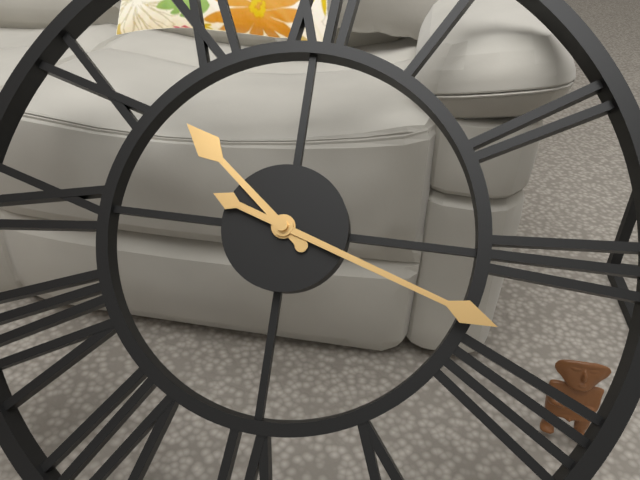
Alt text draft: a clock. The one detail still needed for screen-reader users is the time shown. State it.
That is 10:18
